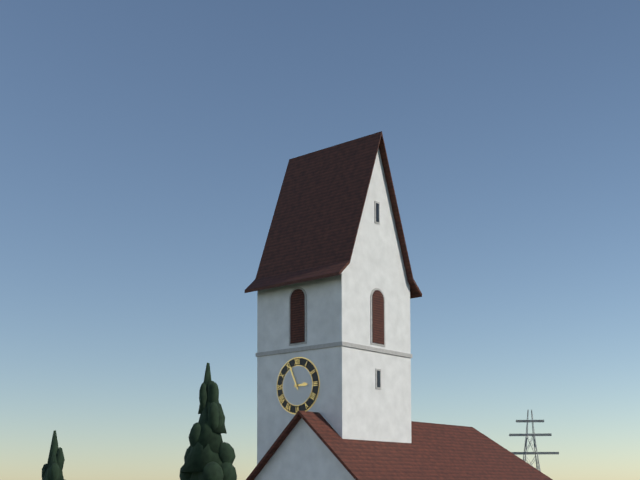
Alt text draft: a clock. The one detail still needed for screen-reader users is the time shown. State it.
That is 2:56
